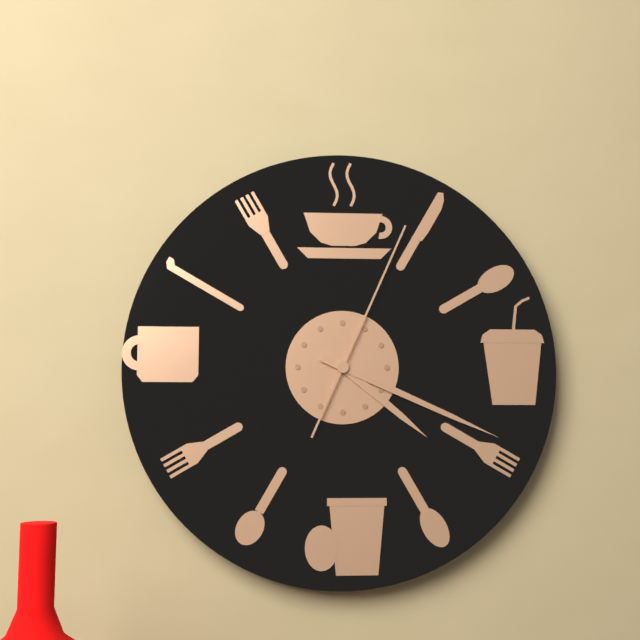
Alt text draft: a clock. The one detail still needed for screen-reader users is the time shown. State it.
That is 4:19:04
